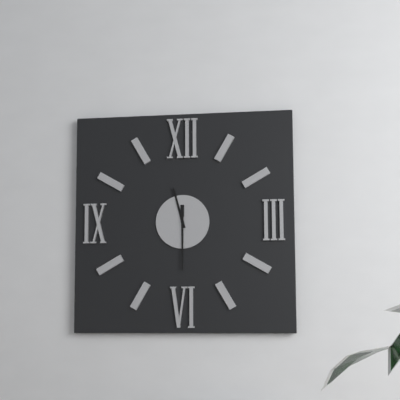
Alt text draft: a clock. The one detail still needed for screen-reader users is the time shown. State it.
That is 11:30
